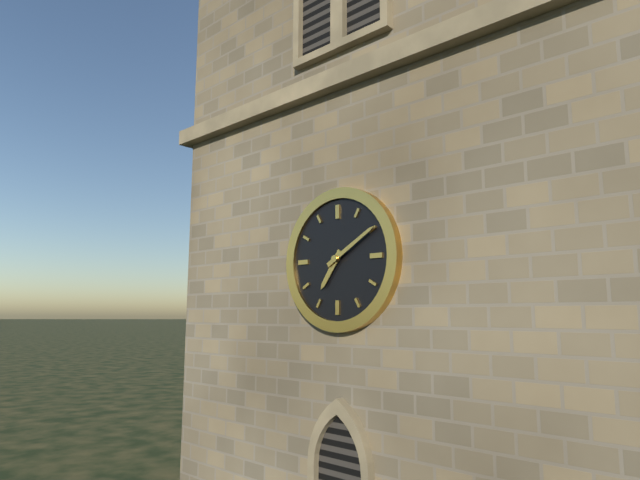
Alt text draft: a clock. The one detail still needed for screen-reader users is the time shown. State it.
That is 7:10
